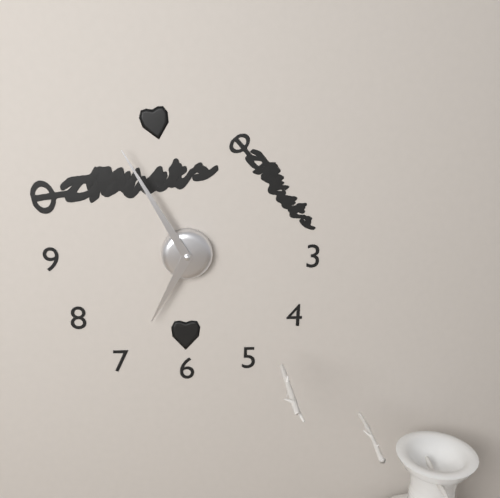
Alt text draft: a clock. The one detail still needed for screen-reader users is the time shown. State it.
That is 6:55
